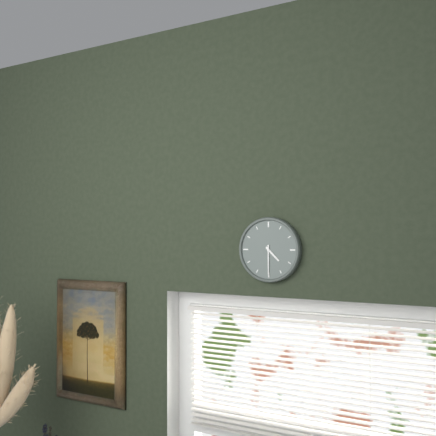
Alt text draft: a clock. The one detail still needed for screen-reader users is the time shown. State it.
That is 4:30
